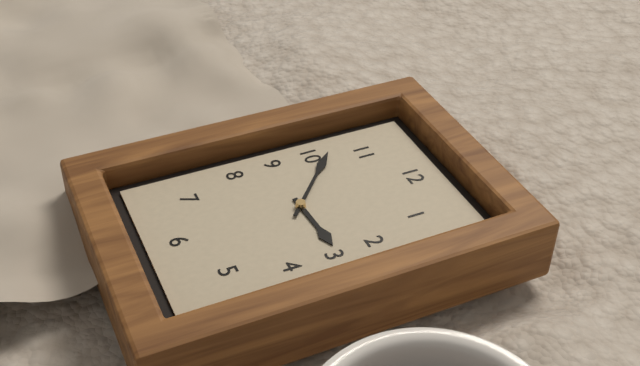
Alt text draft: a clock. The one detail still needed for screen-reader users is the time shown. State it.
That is 2:52
